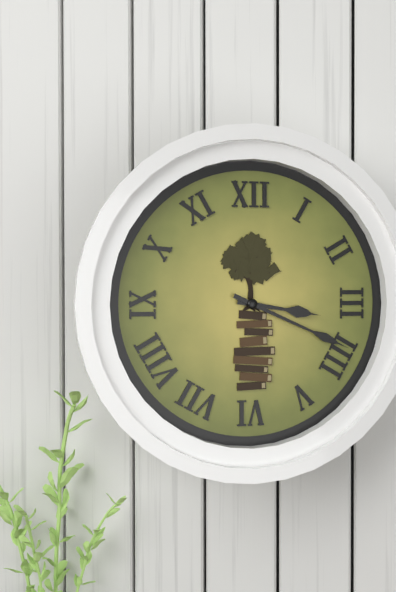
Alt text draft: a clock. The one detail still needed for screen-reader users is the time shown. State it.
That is 3:19
